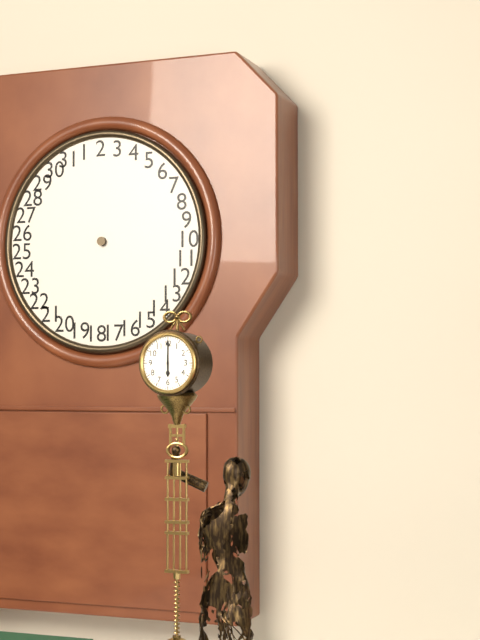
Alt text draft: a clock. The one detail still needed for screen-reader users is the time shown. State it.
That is 6:00
